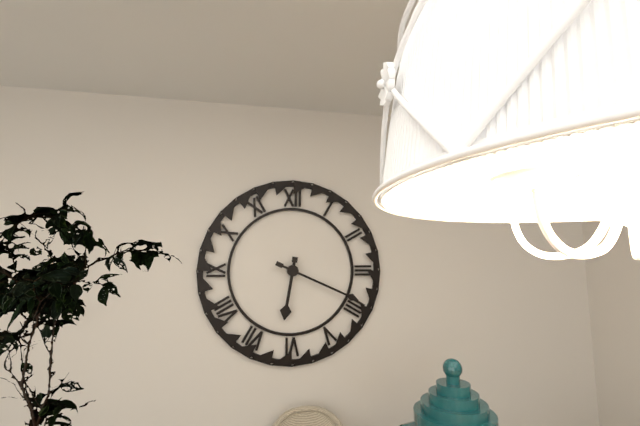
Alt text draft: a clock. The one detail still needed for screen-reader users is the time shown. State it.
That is 6:19
